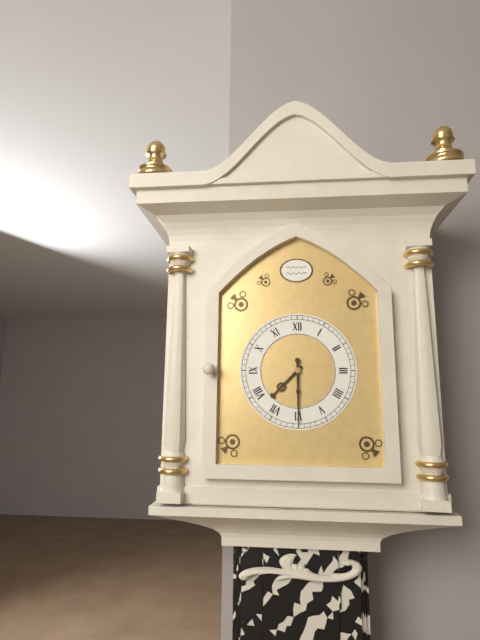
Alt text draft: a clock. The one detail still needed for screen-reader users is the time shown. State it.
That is 7:30
